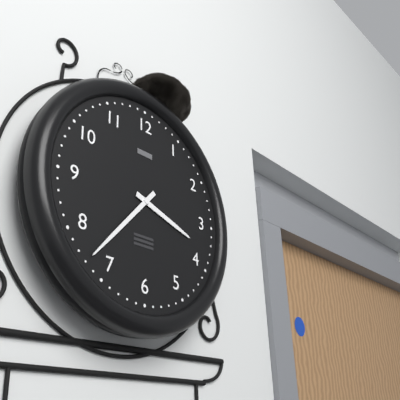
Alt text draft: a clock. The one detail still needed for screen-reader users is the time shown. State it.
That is 3:37
